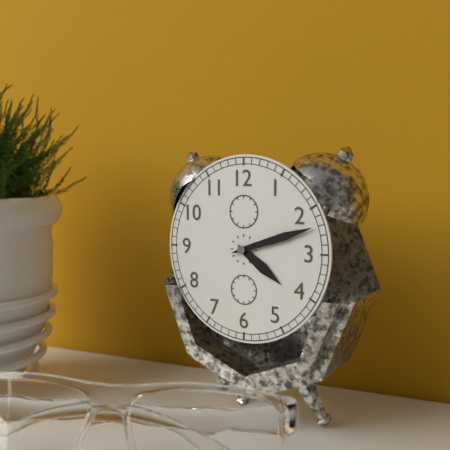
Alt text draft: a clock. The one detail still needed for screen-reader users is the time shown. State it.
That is 4:12
